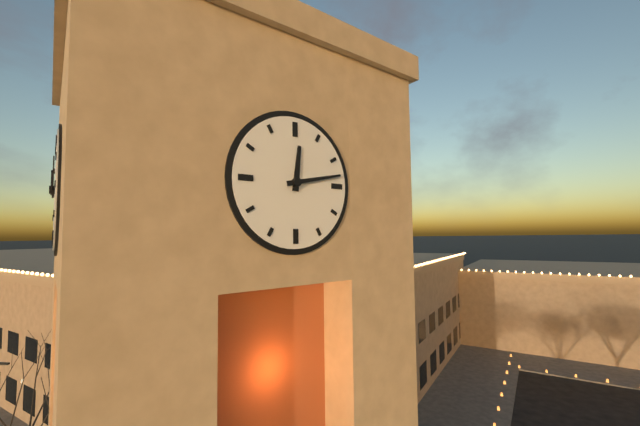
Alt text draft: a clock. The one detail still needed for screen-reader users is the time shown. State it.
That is 12:13
